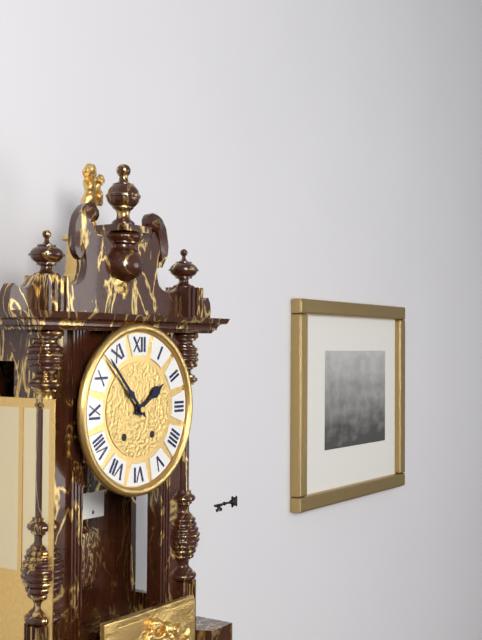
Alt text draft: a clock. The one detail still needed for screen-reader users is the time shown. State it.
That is 1:53
